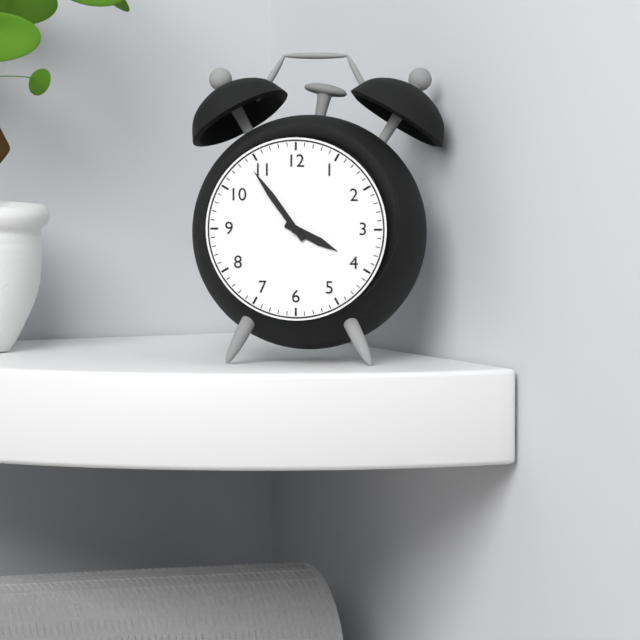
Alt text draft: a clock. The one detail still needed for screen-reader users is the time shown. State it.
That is 3:54
